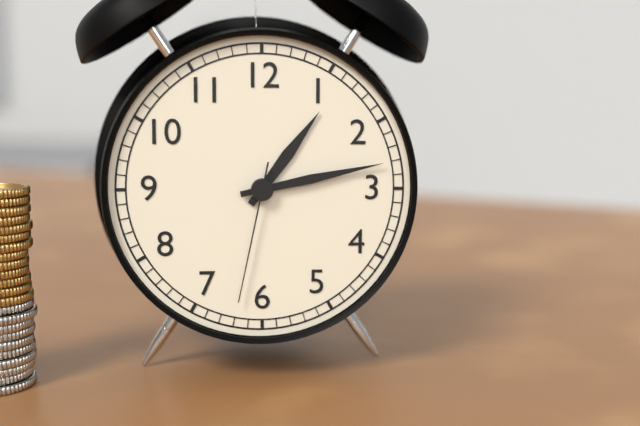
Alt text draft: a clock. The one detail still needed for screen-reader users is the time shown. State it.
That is 1:13:32
